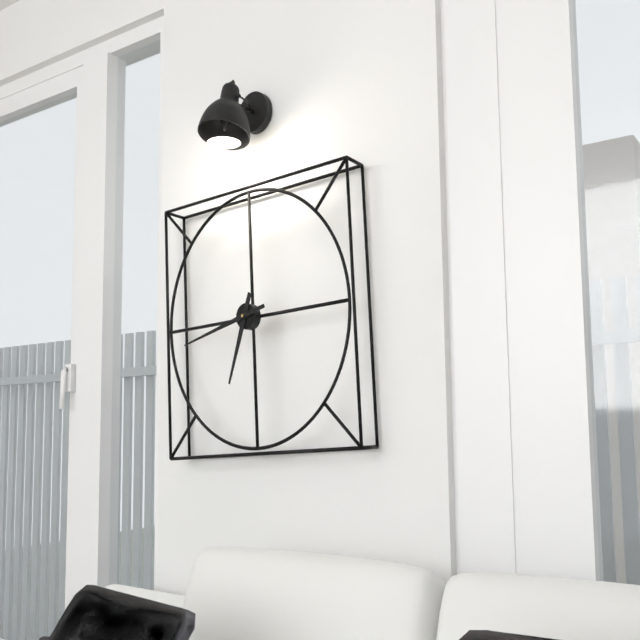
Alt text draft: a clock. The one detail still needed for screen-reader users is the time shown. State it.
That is 6:43
